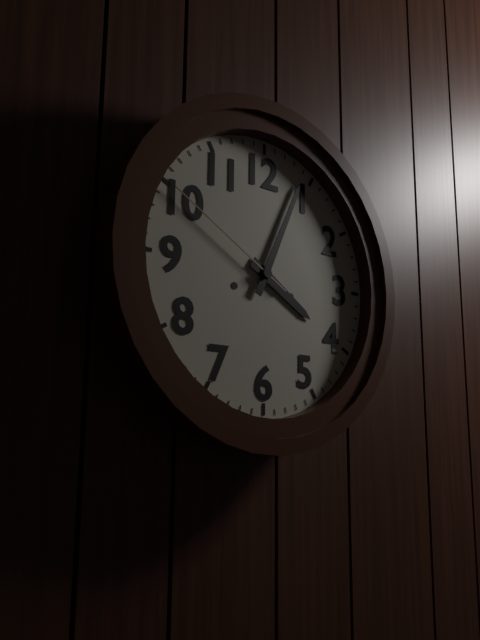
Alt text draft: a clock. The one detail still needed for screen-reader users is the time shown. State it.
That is 4:04:50
